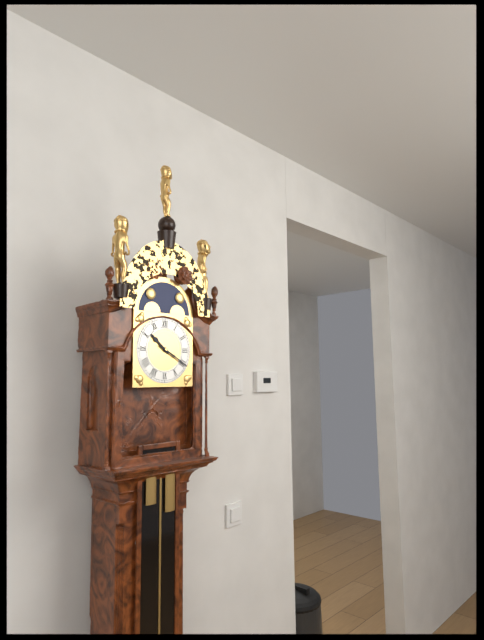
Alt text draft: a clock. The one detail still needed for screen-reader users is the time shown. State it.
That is 10:20
